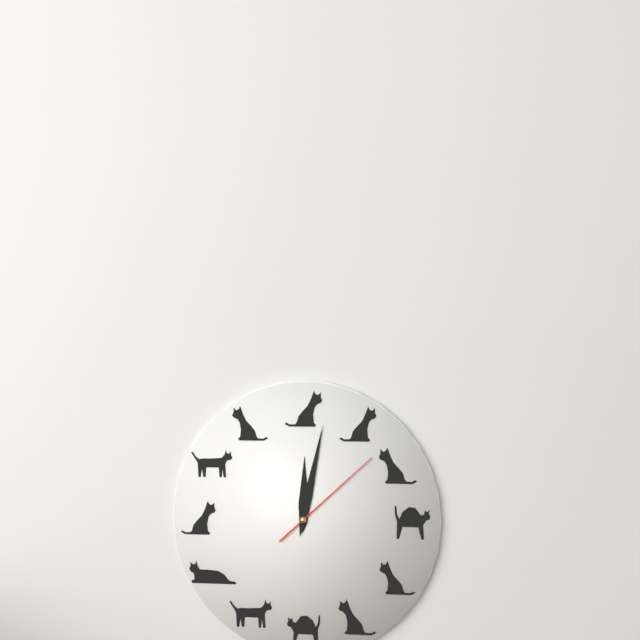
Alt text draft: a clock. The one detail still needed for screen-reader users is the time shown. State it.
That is 12:02:08
